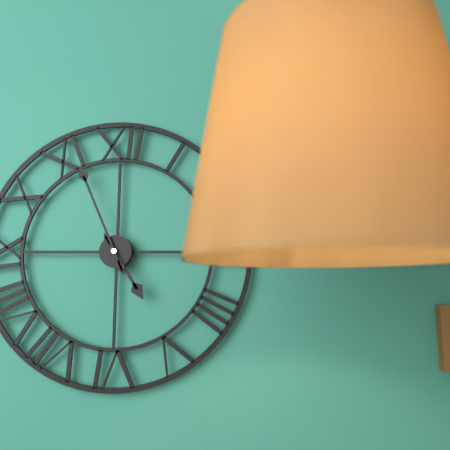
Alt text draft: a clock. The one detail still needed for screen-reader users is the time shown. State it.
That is 4:56
